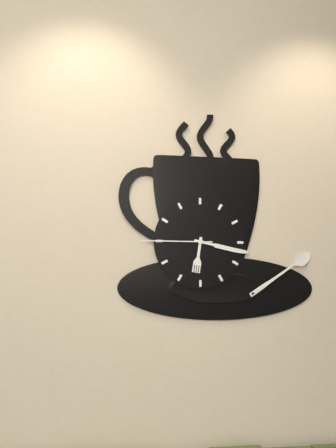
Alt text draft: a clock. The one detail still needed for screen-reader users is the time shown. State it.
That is 6:17:45
